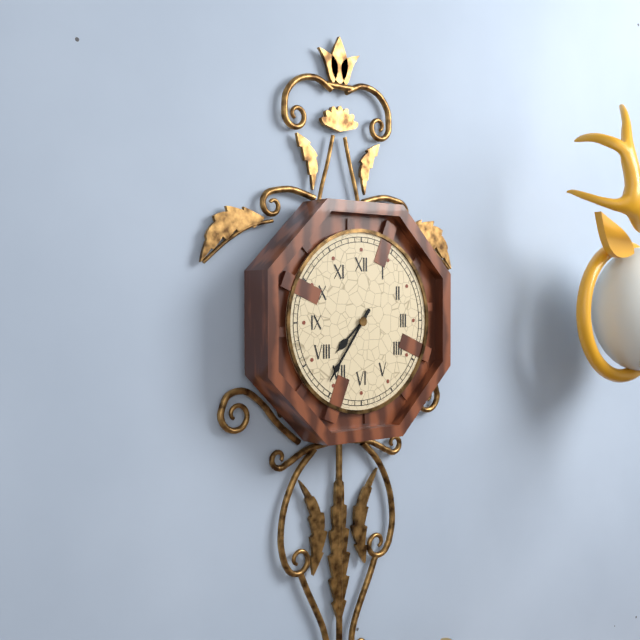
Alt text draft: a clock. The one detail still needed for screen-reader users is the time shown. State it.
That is 7:36
